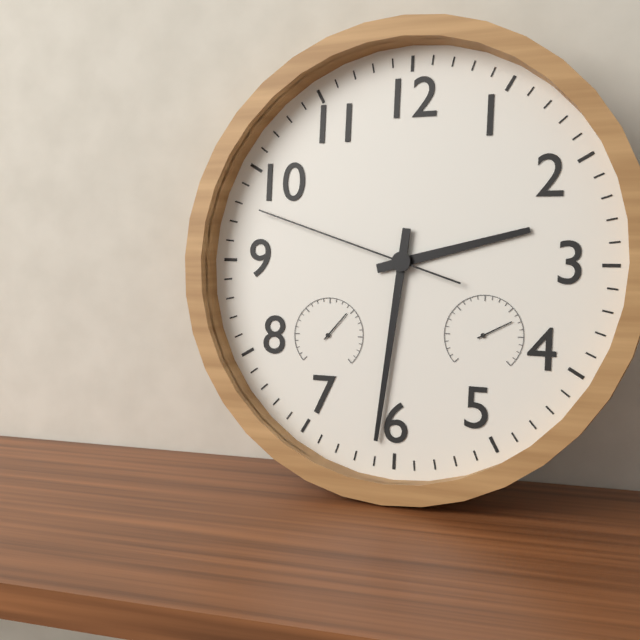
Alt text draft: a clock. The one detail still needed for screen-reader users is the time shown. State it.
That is 2:31:48
